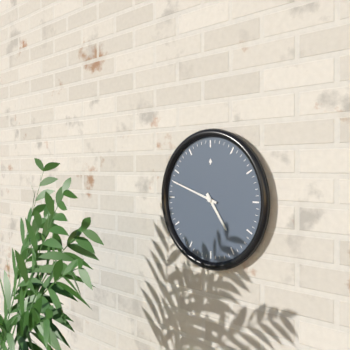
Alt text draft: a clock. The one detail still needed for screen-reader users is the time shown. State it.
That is 4:48
